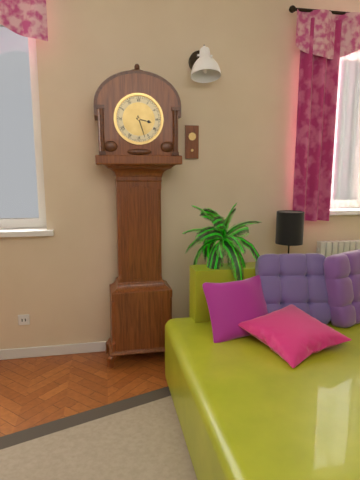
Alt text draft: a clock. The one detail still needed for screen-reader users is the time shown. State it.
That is 3:27
